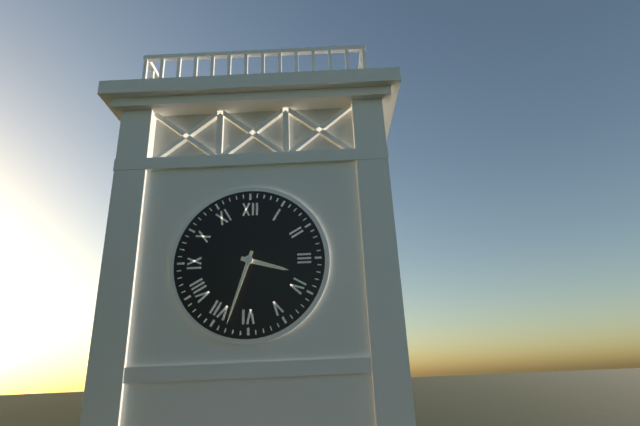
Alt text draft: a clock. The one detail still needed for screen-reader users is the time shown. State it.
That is 3:33
